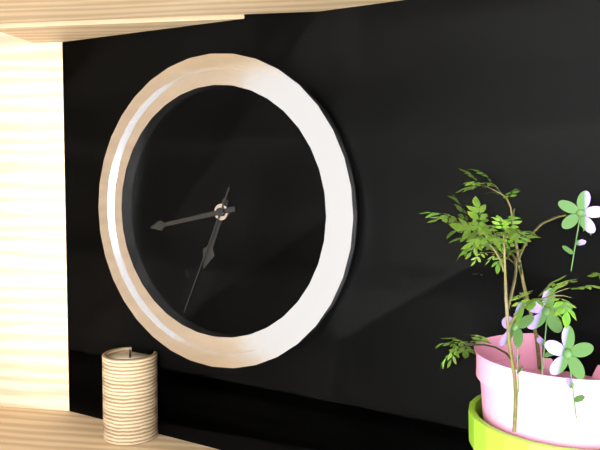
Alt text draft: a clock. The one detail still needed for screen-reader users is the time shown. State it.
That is 6:43:34
